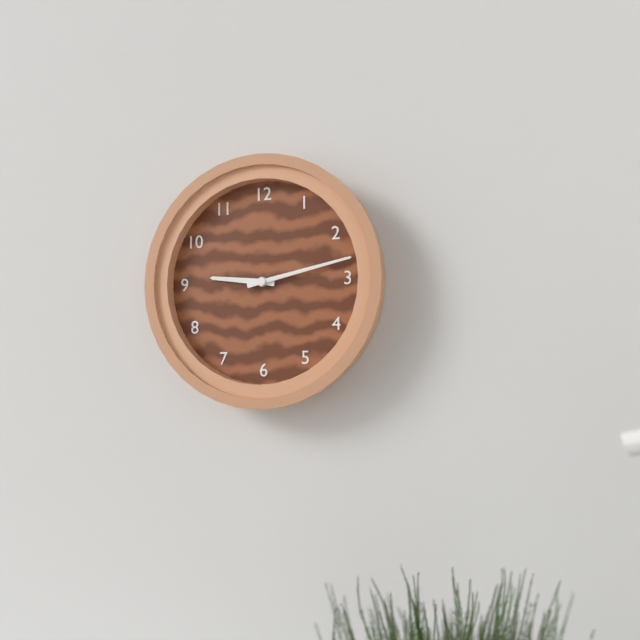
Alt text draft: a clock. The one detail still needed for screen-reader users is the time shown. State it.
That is 9:13
